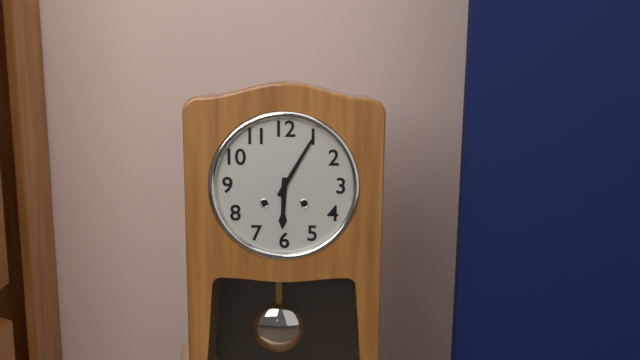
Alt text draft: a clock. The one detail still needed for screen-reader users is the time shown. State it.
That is 6:05
